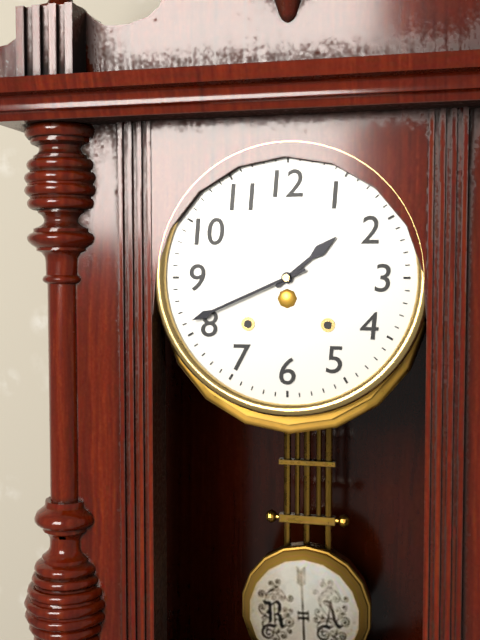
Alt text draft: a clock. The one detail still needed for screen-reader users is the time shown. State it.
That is 1:41
